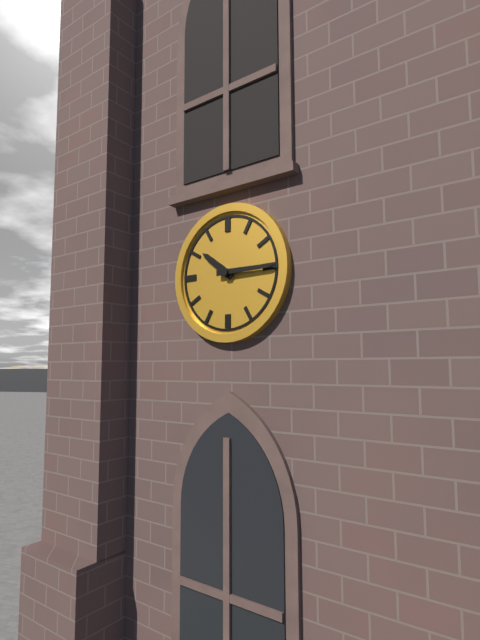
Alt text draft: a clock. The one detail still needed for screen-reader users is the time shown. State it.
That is 10:15
